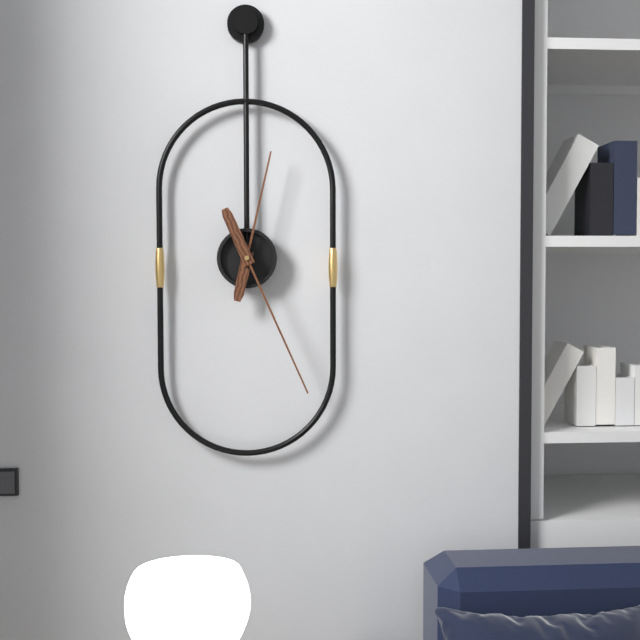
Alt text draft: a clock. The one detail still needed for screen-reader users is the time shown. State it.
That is 12:26
